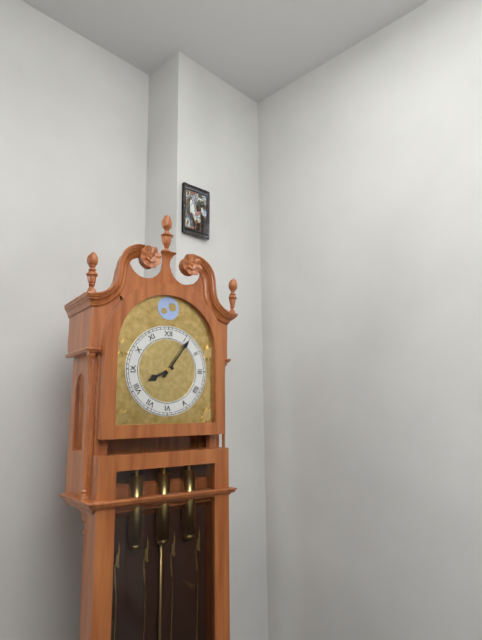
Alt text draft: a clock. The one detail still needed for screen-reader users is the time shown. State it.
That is 8:06
